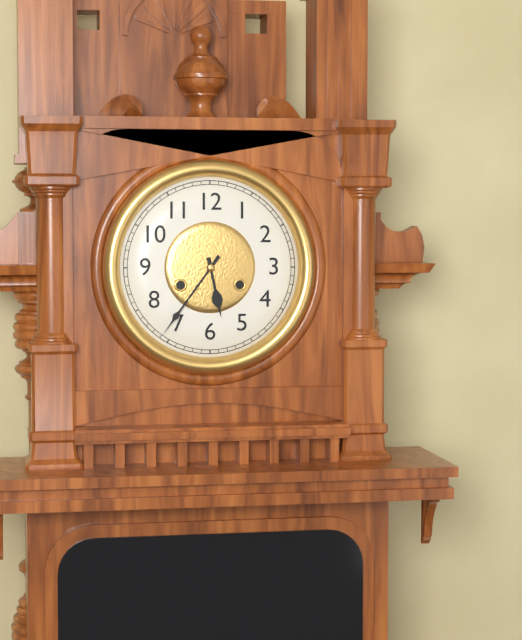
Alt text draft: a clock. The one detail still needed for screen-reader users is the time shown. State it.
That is 5:36
